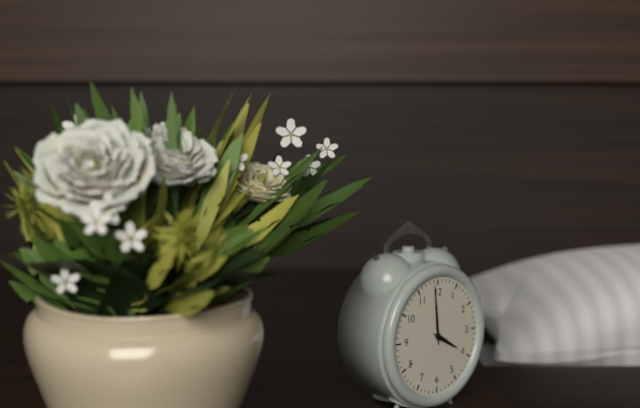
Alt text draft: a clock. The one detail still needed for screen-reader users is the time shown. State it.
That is 3:59
